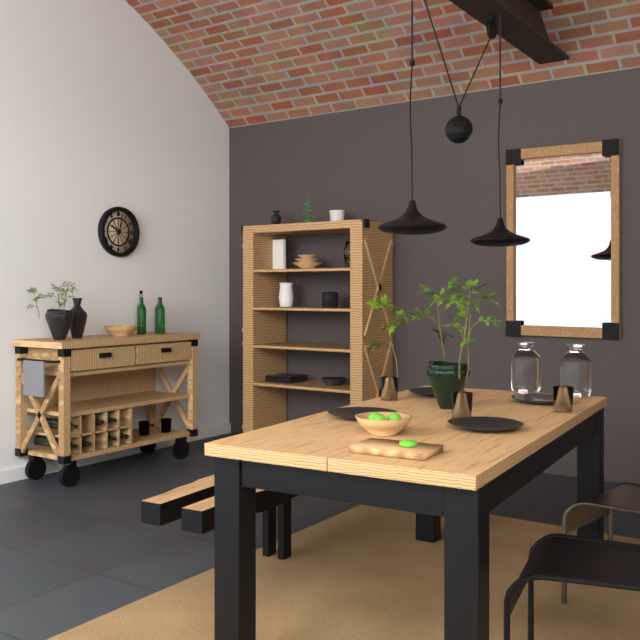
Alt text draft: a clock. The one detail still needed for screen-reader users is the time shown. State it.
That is 10:02
